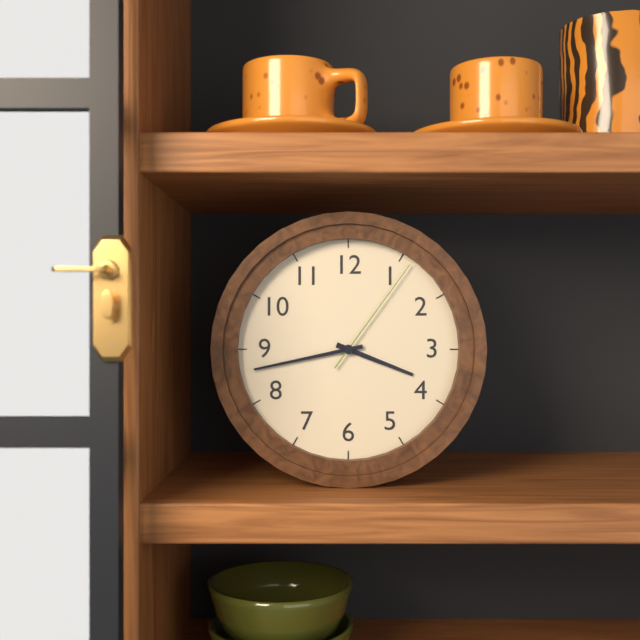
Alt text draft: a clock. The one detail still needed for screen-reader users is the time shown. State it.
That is 3:43:06
